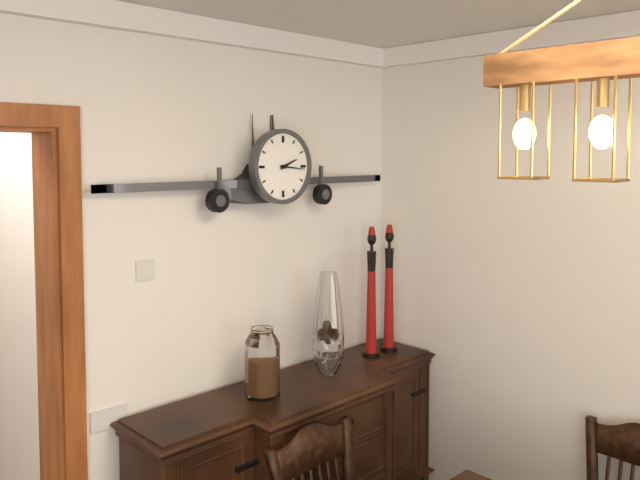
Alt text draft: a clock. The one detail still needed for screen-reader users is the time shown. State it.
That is 2:16
